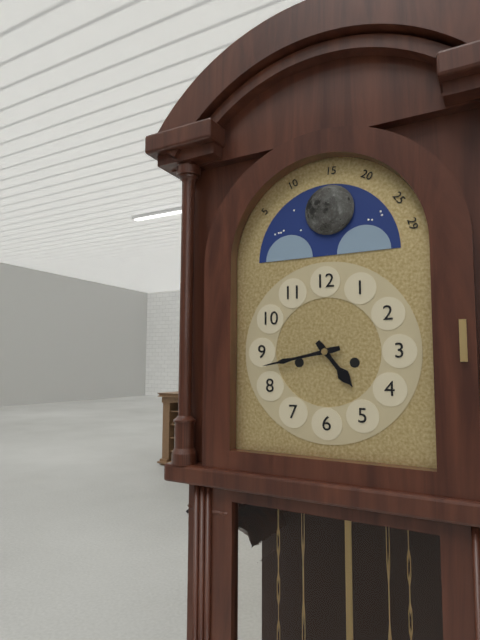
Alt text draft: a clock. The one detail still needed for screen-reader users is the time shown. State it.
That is 4:43
